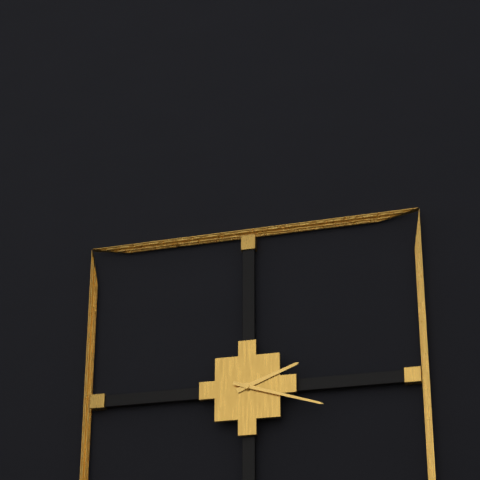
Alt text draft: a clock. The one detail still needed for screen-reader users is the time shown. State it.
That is 2:18
